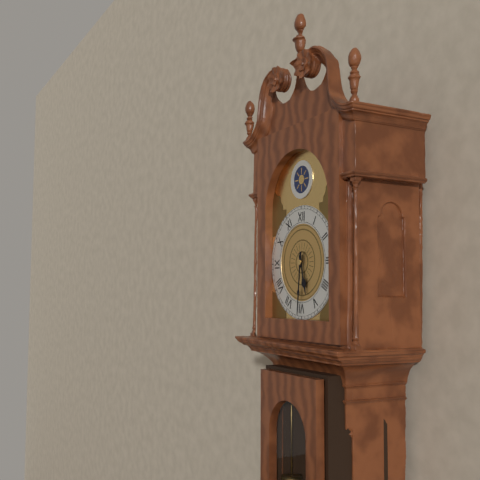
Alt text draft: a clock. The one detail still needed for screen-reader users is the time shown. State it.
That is 5:31
